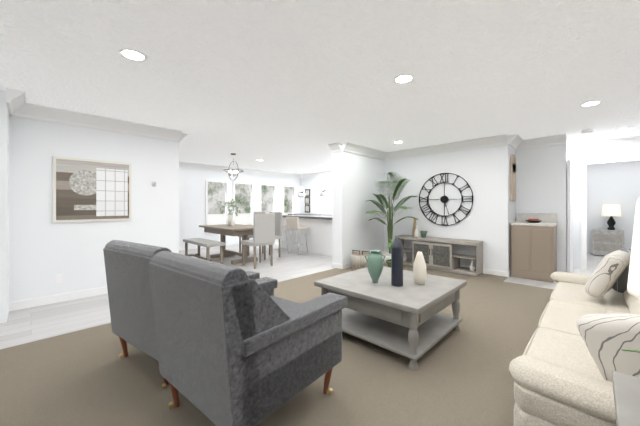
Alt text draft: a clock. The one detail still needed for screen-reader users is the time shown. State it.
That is 5:27
